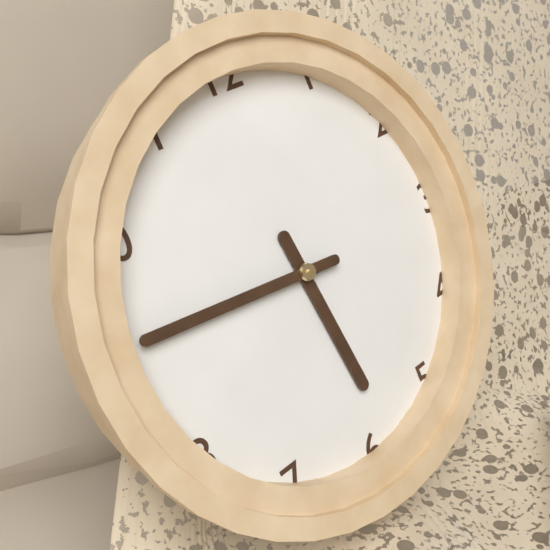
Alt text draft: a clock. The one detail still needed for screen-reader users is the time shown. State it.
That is 5:46
